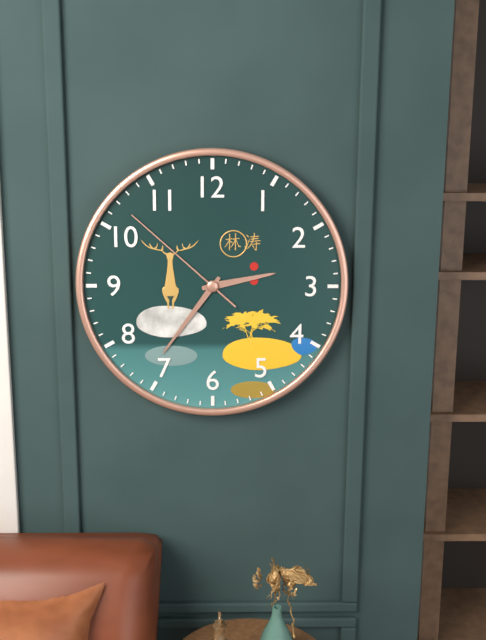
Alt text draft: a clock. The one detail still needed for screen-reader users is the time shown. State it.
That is 2:36:52
